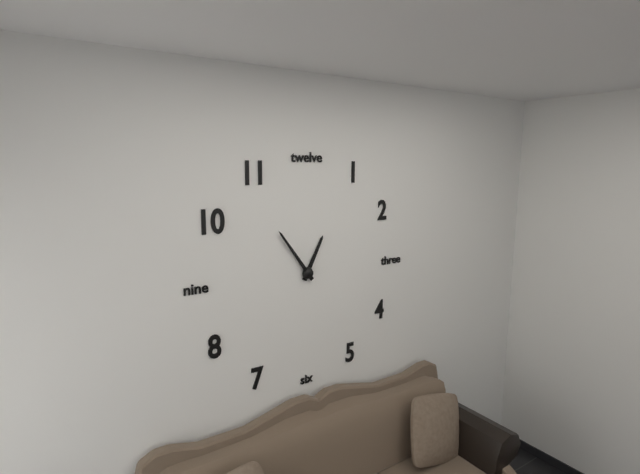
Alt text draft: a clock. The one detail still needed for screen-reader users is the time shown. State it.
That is 12:54
